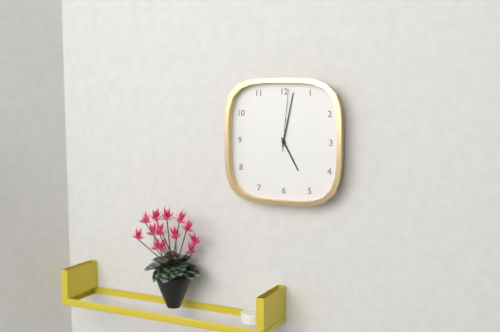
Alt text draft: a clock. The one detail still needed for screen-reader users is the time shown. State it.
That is 5:02:01
